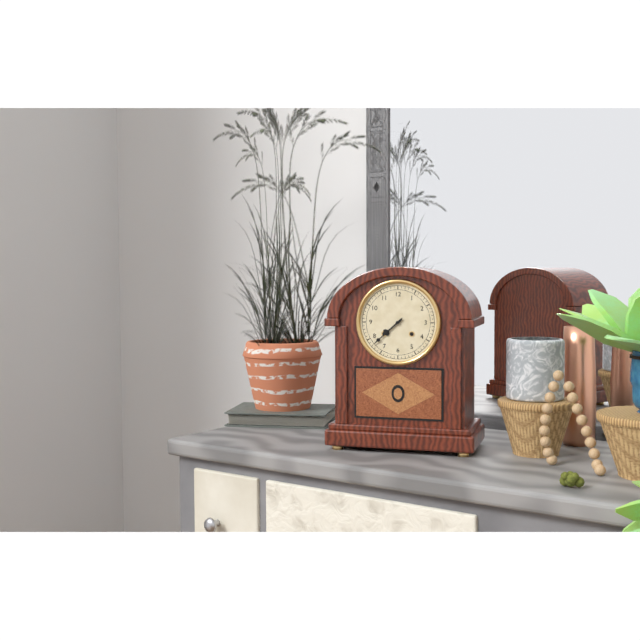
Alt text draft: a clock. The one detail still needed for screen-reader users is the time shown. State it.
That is 7:38
